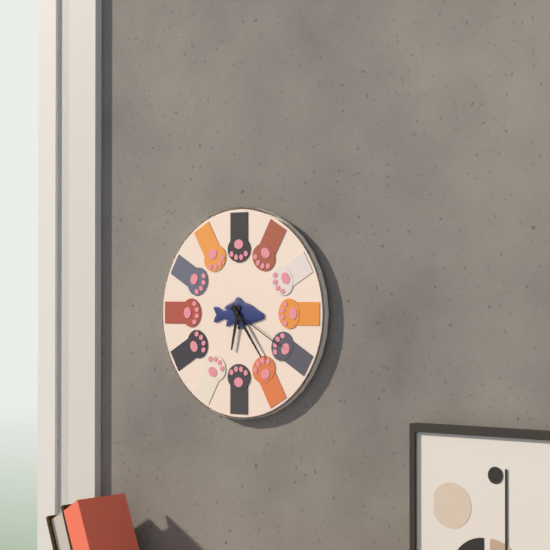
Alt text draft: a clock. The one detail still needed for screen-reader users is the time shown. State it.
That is 6:24:20
